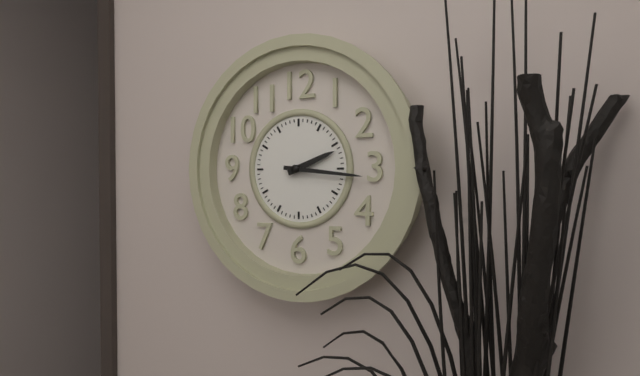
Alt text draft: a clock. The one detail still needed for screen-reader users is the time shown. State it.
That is 2:16
